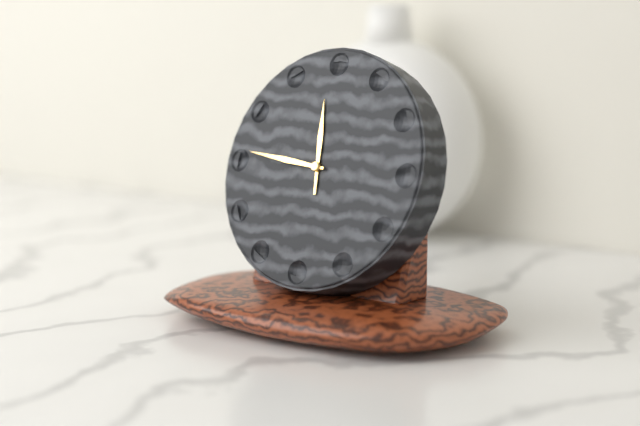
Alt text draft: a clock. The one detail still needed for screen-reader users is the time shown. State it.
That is 11:46
